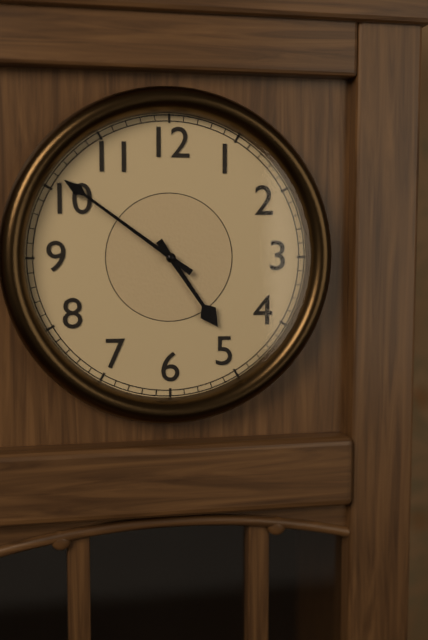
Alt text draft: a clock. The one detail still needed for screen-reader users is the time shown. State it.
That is 4:51
